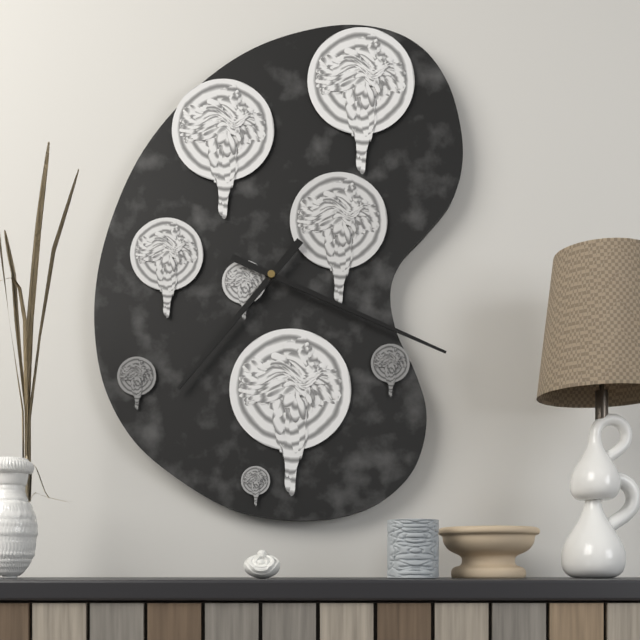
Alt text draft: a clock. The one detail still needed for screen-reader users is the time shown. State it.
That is 7:19
